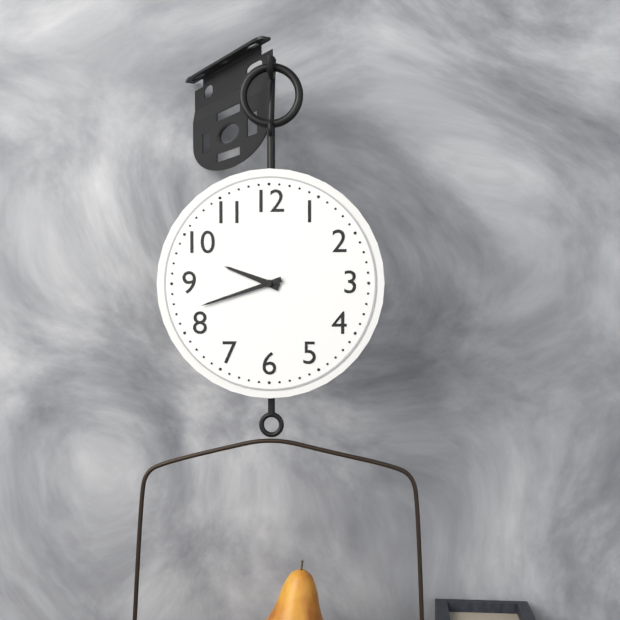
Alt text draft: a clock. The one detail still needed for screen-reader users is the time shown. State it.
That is 9:42
